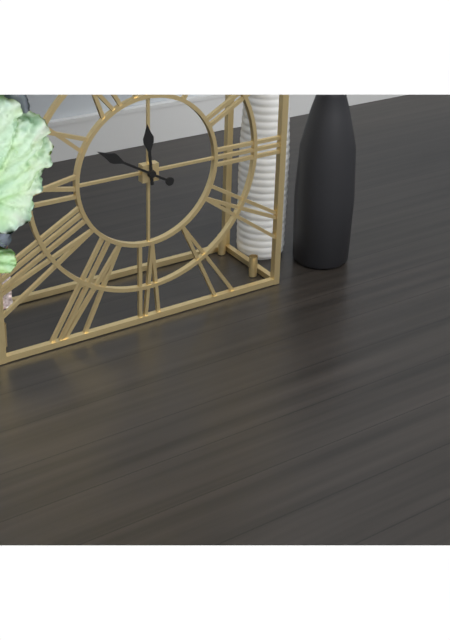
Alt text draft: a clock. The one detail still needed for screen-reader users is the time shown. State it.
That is 11:50
